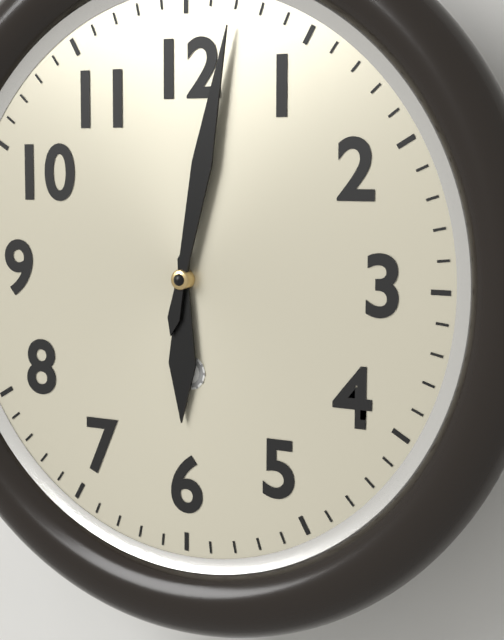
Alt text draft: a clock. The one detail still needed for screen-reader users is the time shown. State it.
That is 6:02
